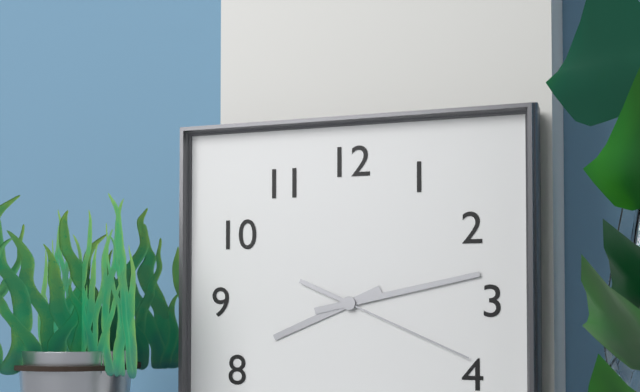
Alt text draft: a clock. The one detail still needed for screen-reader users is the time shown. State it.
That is 8:13:19
